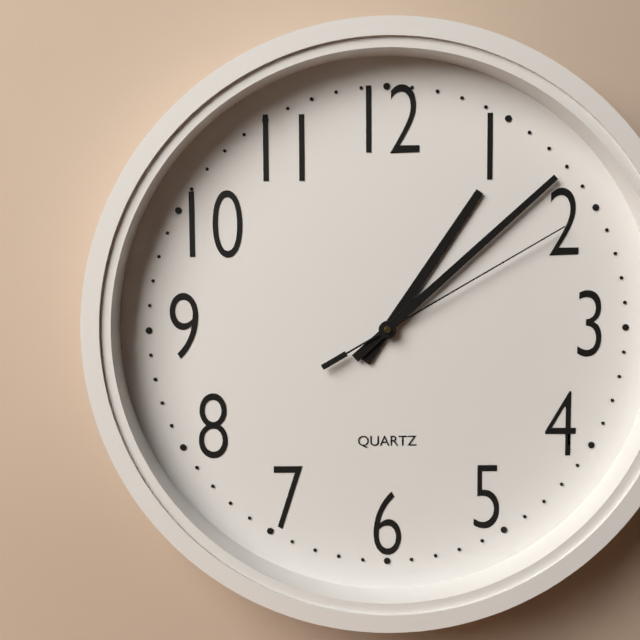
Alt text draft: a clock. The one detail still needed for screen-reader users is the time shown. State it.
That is 1:08:10
